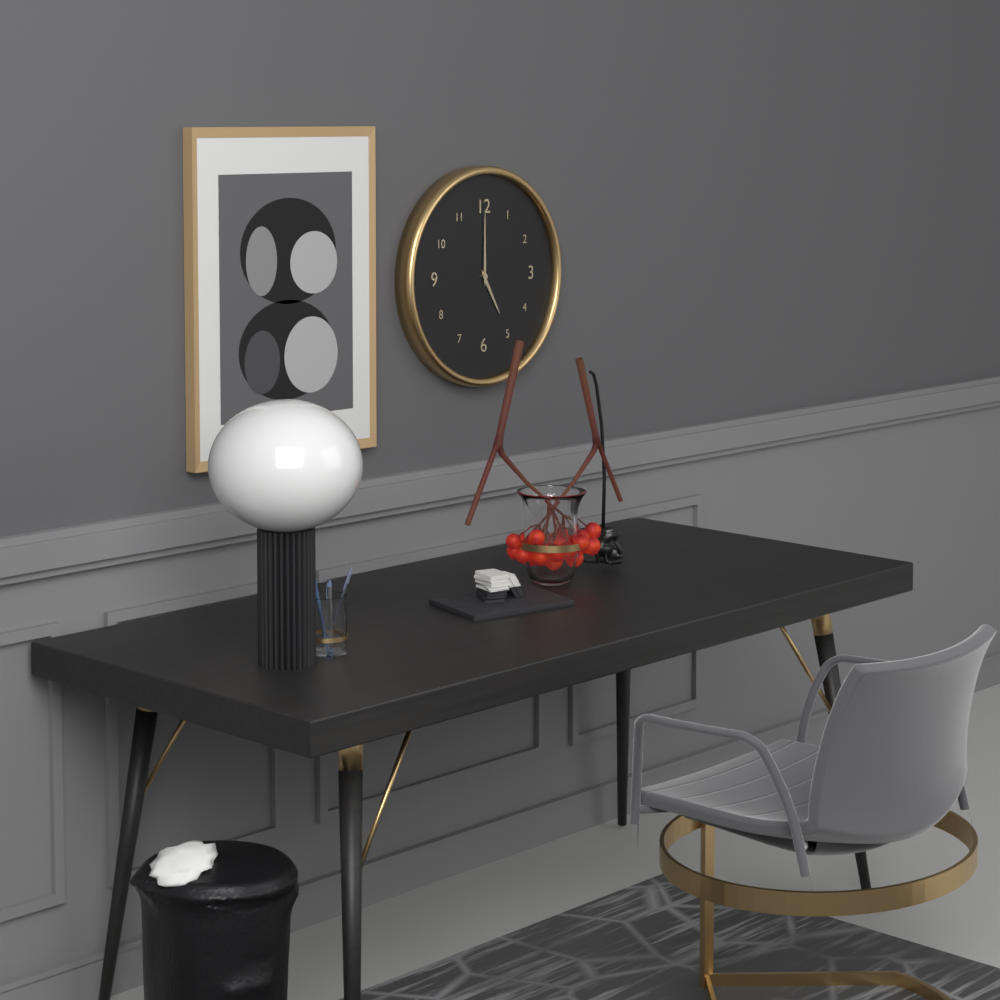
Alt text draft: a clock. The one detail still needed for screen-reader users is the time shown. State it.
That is 5:00
